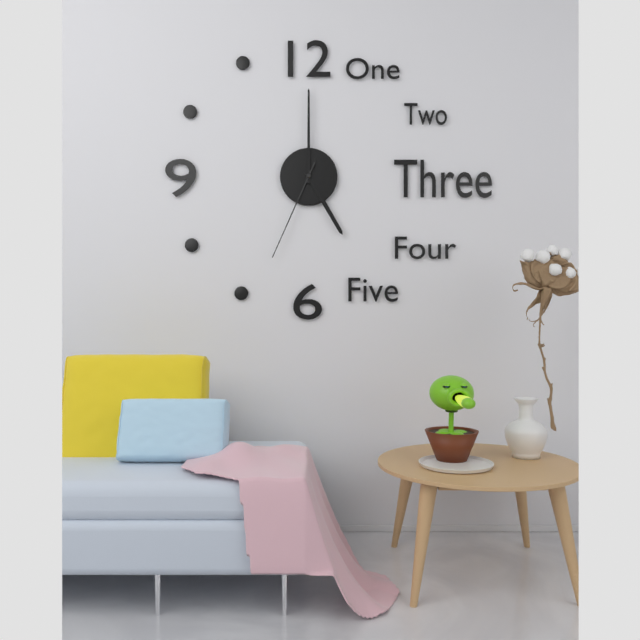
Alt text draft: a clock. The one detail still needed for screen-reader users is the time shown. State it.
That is 5:00:34
